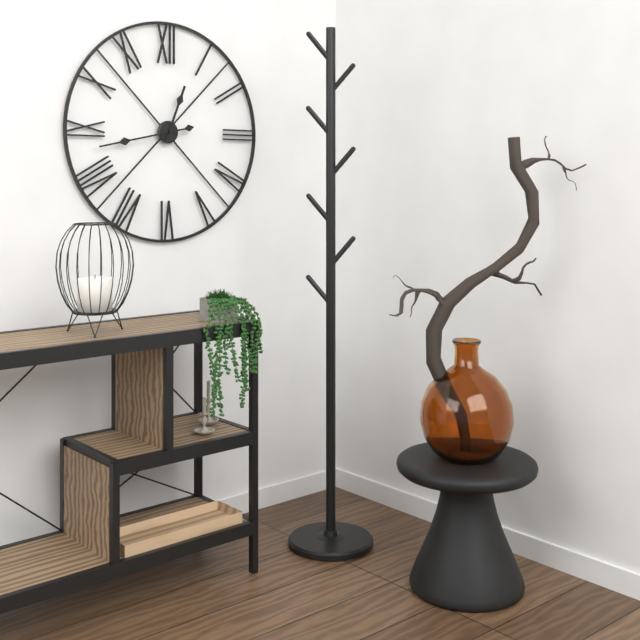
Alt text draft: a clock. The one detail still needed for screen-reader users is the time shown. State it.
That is 12:43
